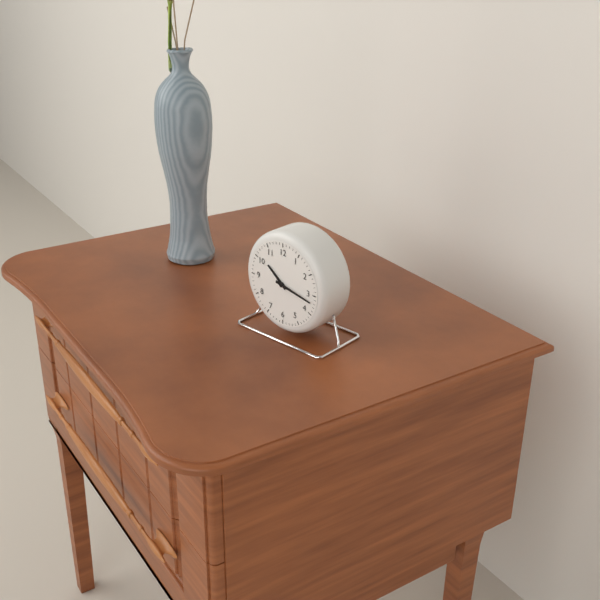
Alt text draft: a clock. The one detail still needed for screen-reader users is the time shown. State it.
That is 10:17
